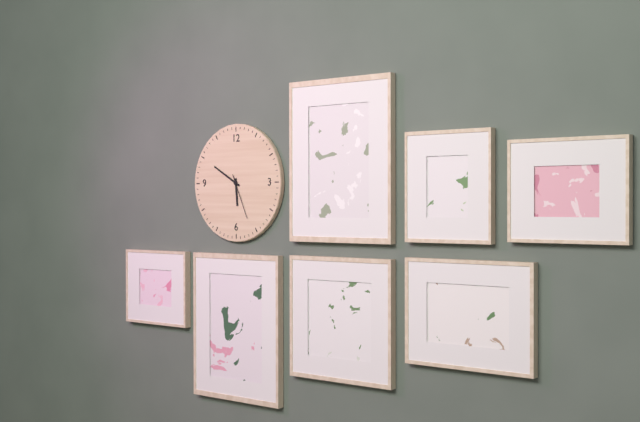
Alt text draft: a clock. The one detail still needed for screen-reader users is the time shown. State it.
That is 5:50
